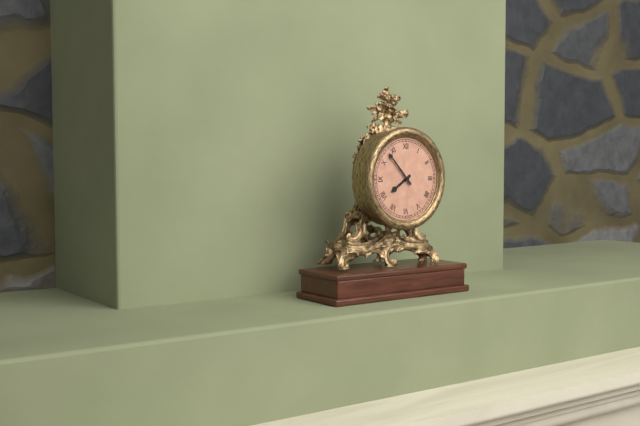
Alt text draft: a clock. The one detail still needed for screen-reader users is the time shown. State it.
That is 7:53
